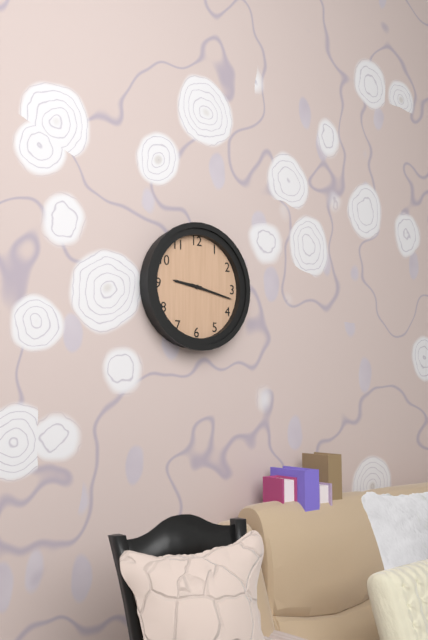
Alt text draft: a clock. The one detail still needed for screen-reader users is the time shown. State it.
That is 9:17
